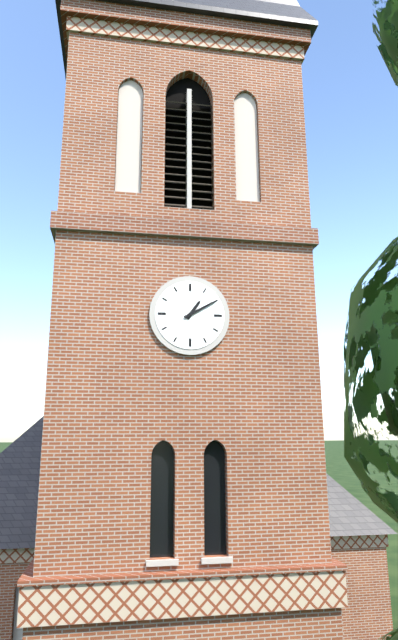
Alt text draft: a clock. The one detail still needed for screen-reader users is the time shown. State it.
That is 1:10
